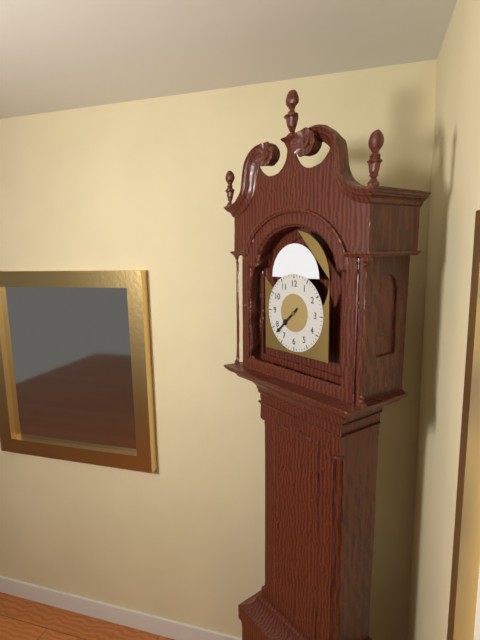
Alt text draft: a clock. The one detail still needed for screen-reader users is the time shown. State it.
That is 7:38
